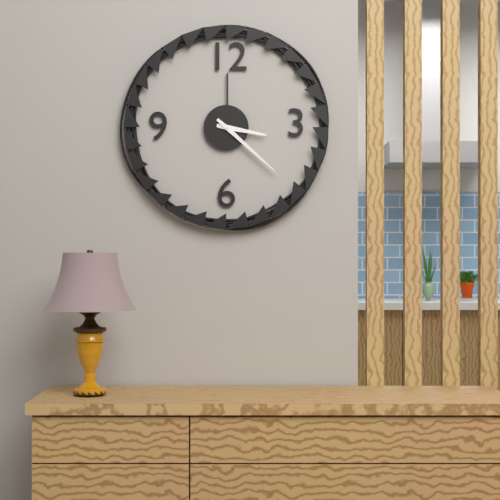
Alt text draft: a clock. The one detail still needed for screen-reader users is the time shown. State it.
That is 3:22
